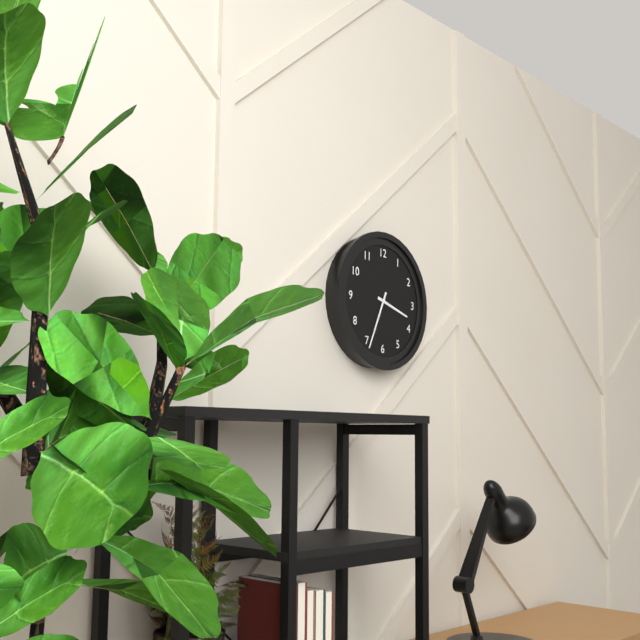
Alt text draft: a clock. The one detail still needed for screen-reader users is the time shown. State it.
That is 3:34
